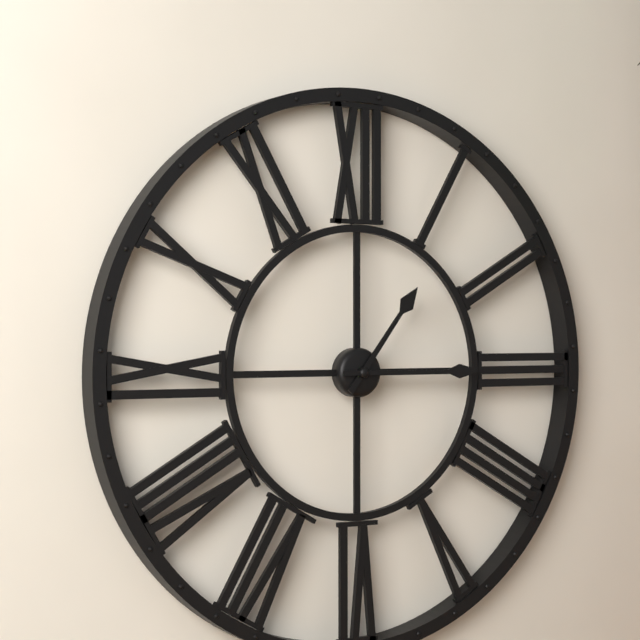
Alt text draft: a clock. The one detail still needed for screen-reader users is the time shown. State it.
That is 1:15
